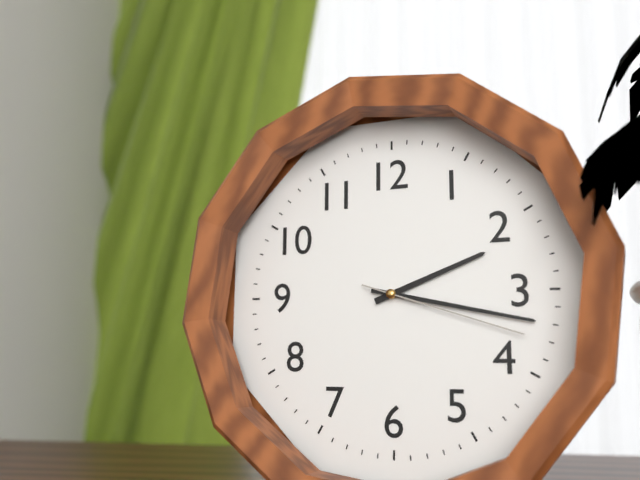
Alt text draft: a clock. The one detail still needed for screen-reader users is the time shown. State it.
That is 2:17:18
